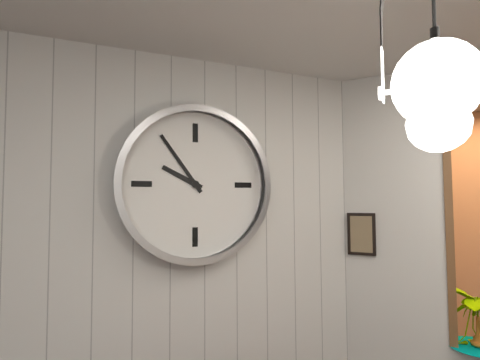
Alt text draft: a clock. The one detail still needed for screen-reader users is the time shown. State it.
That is 9:54
